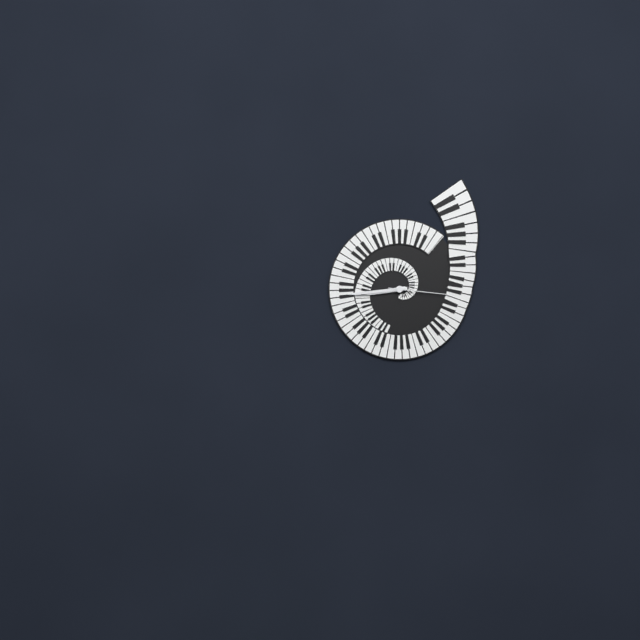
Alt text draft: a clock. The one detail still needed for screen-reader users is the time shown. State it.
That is 8:44:16
